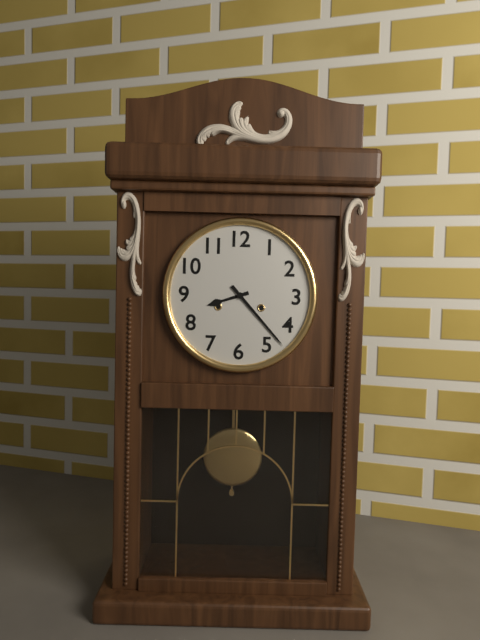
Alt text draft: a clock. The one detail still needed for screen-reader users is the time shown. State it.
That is 8:23
